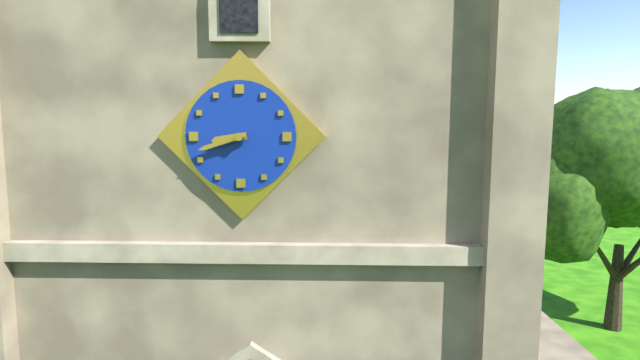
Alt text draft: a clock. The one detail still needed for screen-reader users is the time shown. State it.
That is 8:42
